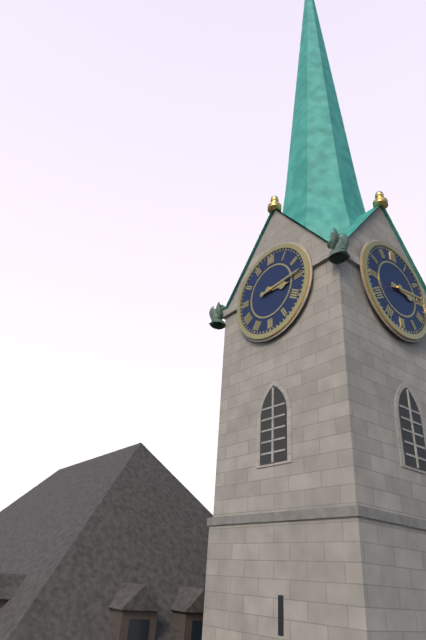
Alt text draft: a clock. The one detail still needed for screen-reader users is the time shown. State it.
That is 3:14
